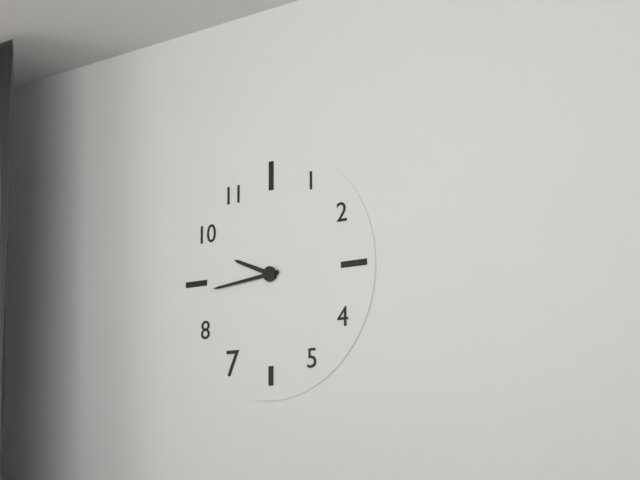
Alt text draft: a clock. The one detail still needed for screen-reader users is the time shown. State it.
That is 9:44
